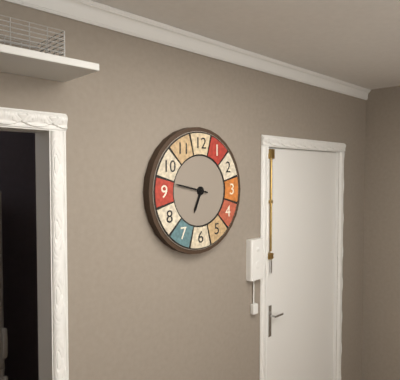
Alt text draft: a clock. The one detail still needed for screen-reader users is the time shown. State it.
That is 6:47
